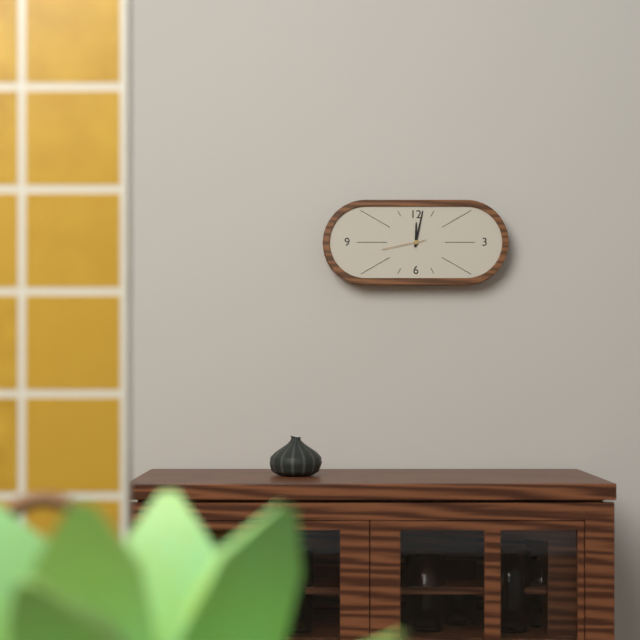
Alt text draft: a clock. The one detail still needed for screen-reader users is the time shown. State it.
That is 12:02
